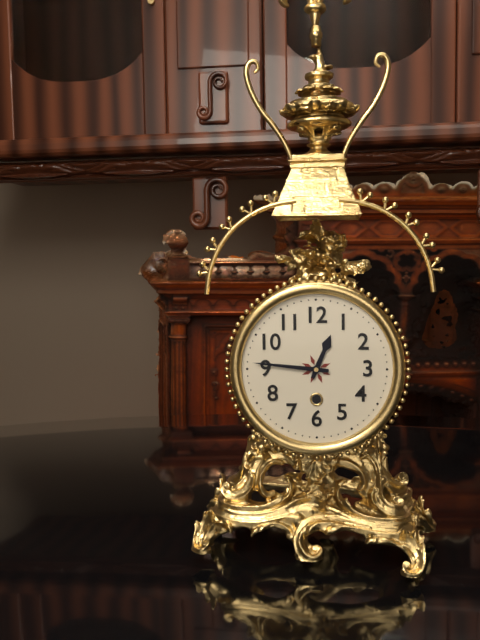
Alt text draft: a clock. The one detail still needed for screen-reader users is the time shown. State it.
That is 12:46
